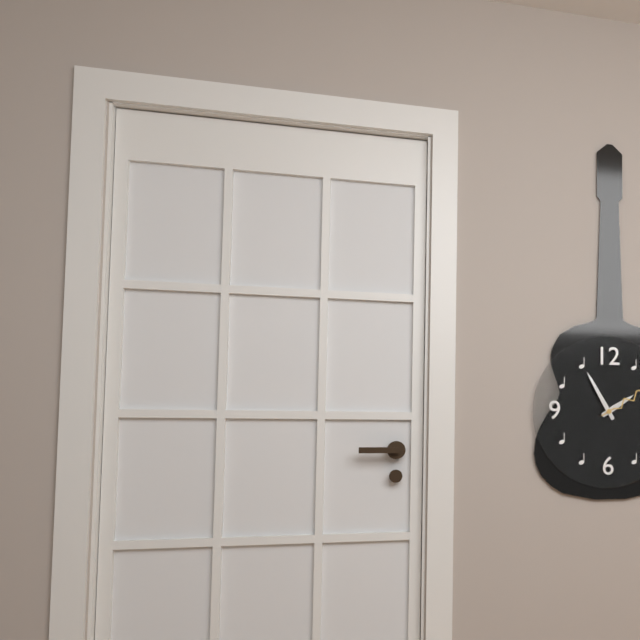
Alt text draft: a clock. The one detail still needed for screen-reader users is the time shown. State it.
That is 1:55
